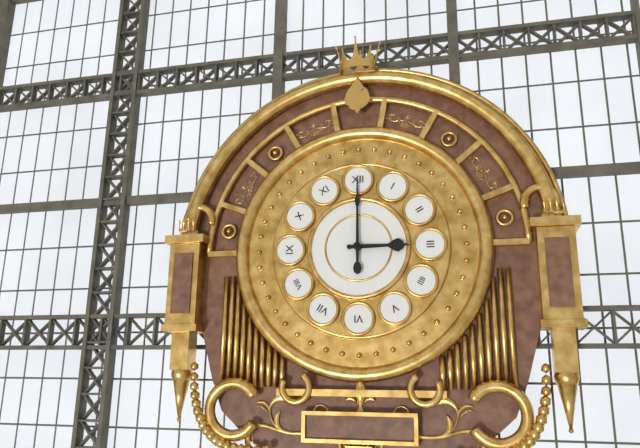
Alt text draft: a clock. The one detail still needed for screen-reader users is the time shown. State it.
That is 3:00
